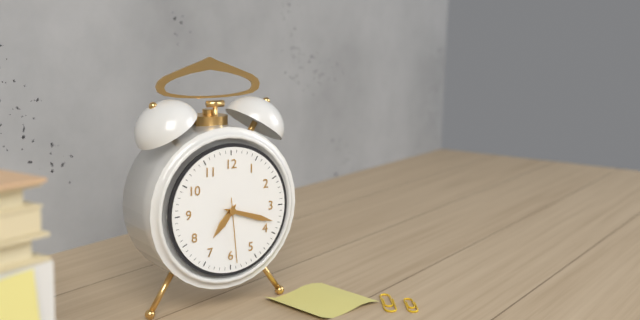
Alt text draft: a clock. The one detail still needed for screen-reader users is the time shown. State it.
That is 7:18:29
